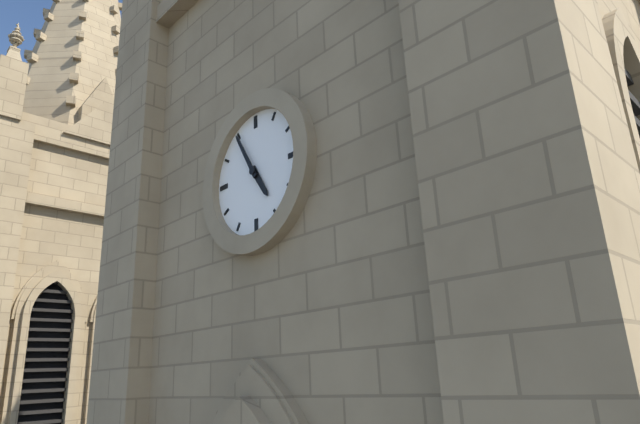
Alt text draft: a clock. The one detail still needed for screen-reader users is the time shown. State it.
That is 4:55
